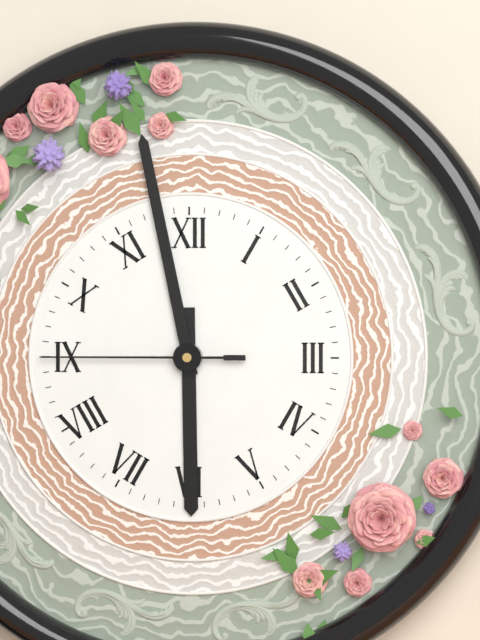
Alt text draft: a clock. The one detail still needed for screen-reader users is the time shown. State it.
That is 5:58:45
